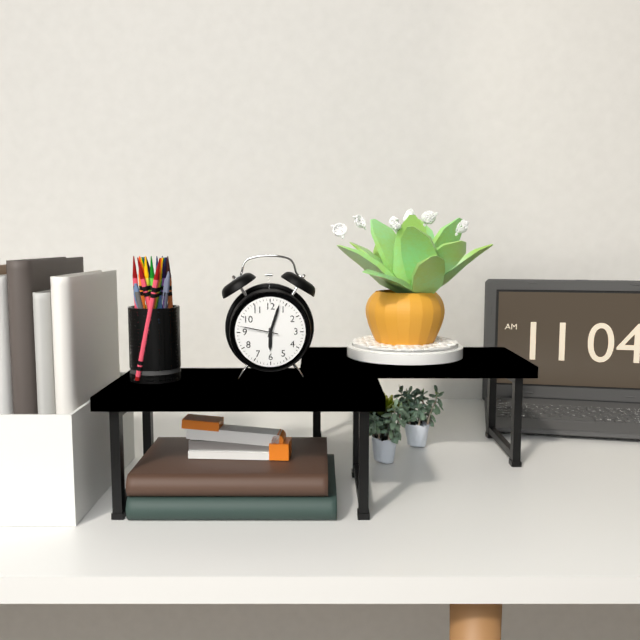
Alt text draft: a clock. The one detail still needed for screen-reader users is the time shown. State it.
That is 6:03
